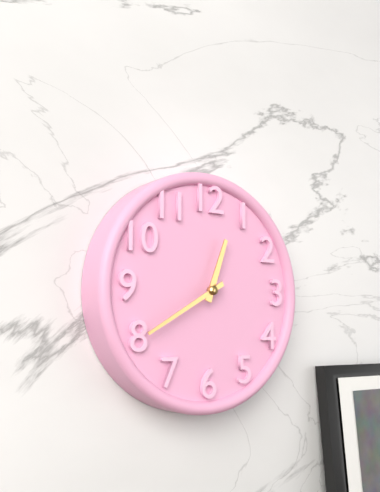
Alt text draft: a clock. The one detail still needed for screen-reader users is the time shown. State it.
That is 12:40
